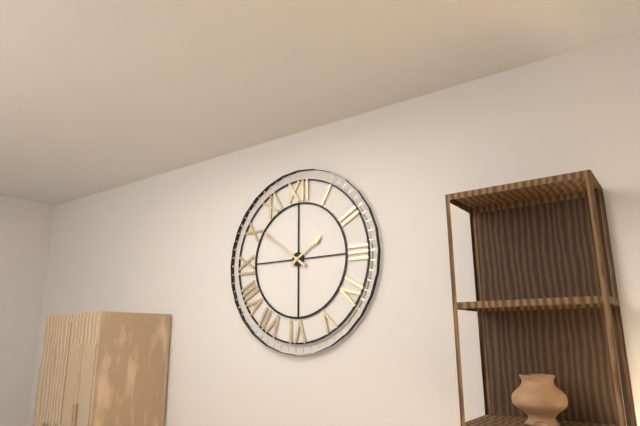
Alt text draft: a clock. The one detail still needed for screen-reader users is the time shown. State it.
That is 1:51
